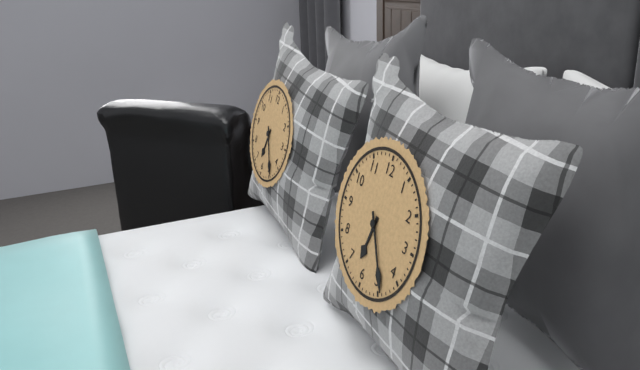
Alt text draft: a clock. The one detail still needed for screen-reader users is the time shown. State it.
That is 6:24
